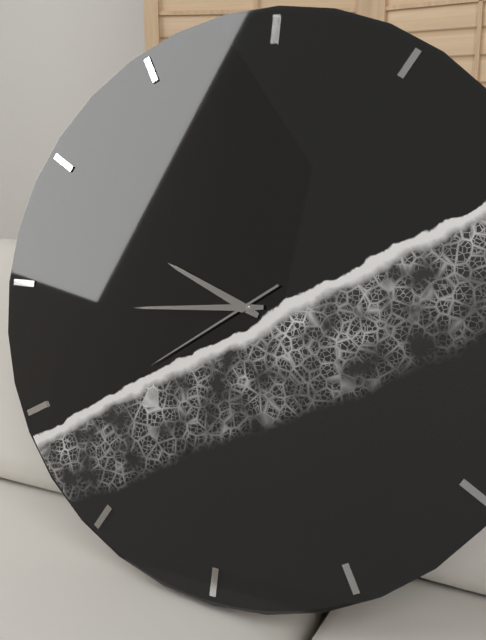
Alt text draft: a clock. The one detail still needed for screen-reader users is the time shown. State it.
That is 9:44:39
